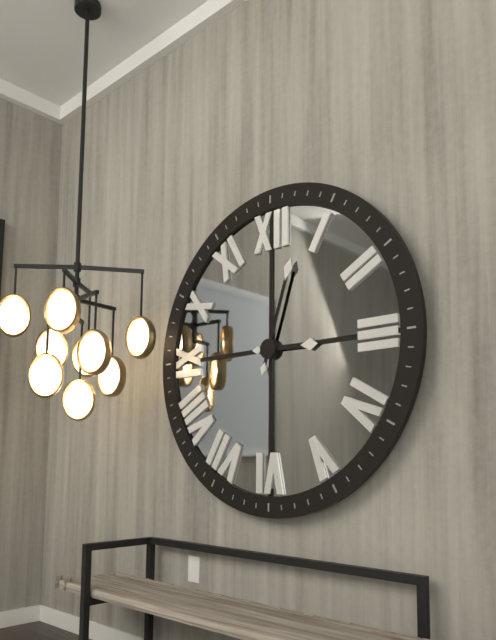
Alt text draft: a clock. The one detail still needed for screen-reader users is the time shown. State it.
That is 3:03
